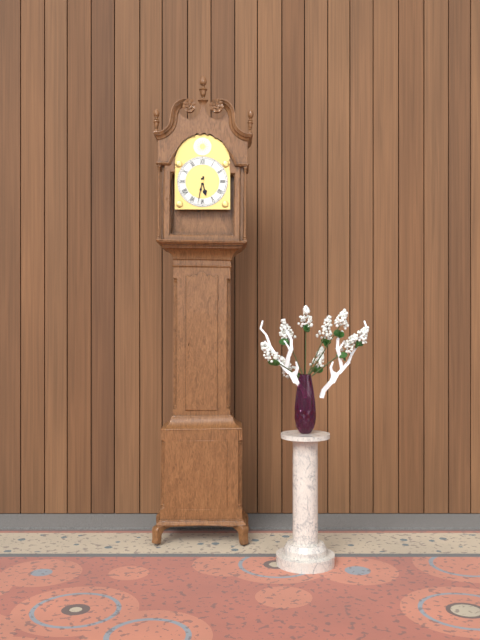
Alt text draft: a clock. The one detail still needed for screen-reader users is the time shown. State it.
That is 5:32
